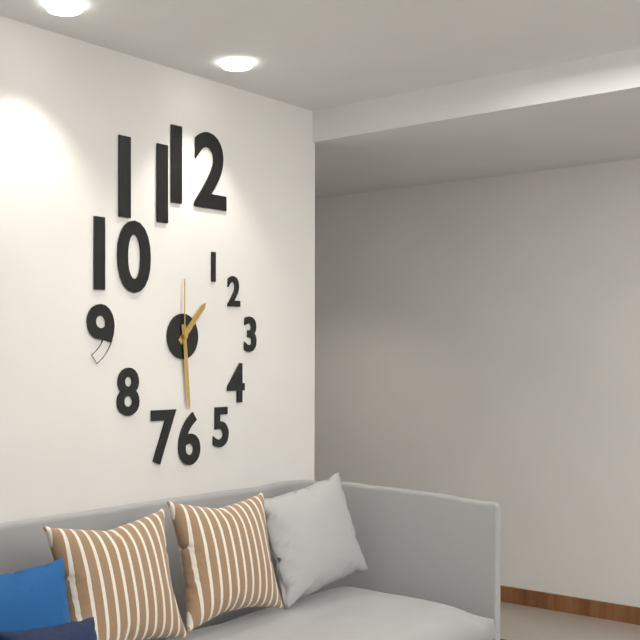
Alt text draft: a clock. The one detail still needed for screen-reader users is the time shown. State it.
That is 1:29:00
